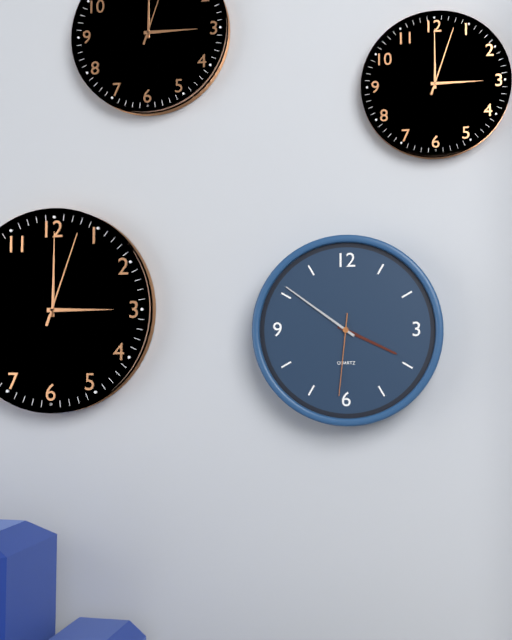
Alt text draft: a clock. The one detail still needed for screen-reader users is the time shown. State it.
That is 3:51:31
